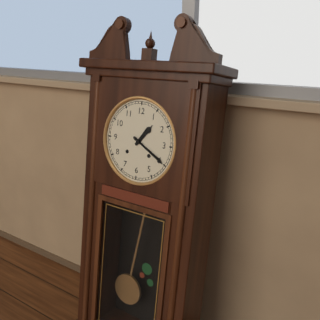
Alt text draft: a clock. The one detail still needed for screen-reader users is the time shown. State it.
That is 1:20
